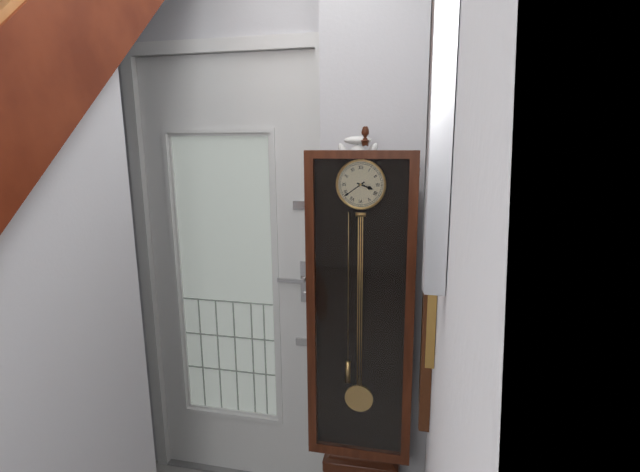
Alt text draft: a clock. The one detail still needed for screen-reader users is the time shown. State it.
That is 3:39
